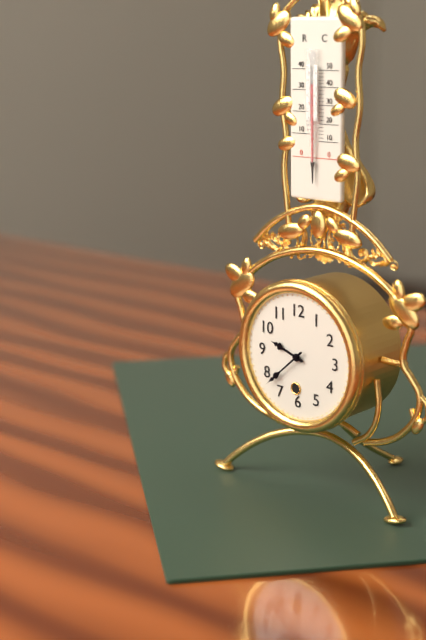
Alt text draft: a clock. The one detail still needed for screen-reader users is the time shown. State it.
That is 9:38
